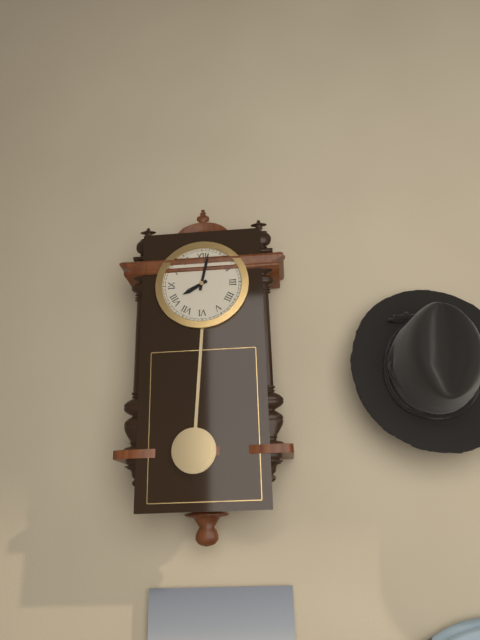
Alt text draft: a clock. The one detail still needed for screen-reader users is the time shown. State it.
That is 8:02
